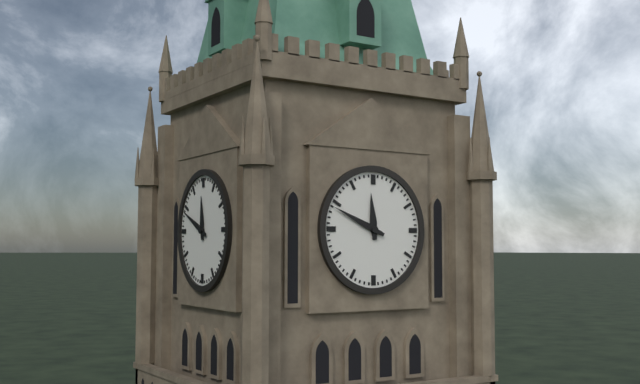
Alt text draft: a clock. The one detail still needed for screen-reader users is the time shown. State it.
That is 11:49
